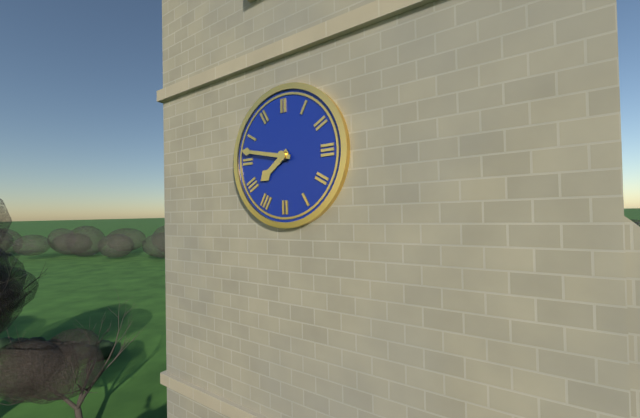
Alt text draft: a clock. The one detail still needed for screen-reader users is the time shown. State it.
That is 7:47
